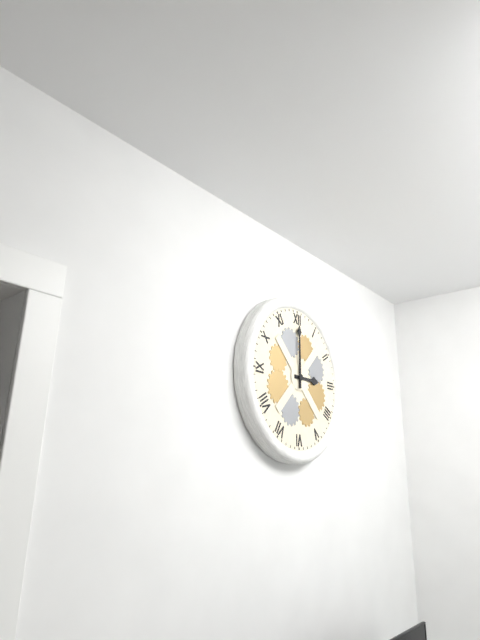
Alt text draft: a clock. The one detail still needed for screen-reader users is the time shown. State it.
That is 3:00
